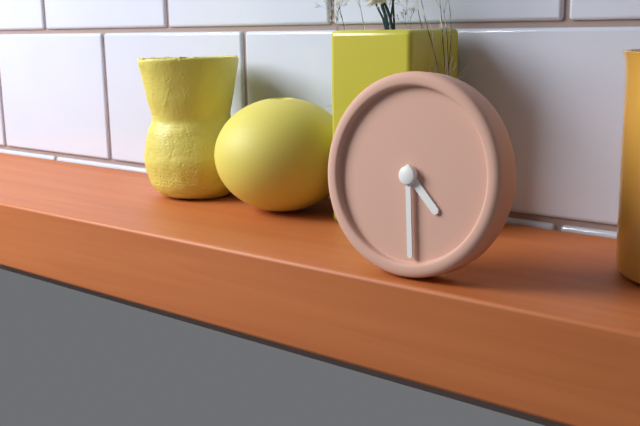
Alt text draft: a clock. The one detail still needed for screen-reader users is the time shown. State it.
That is 4:29
